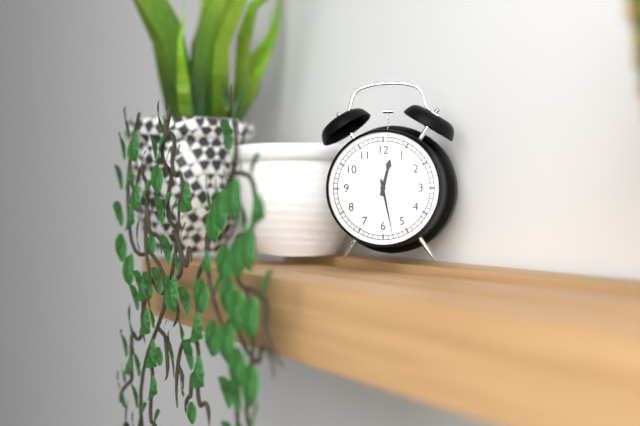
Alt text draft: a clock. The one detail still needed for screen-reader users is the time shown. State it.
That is 12:28
